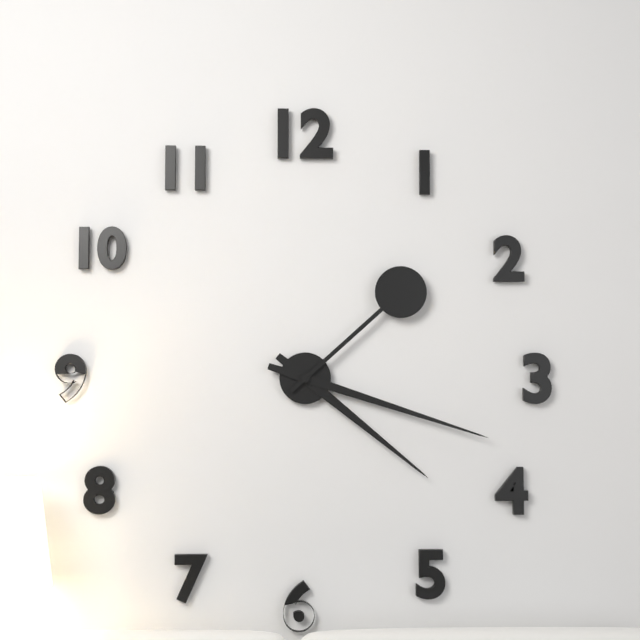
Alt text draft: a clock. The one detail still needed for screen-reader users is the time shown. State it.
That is 4:18:08
